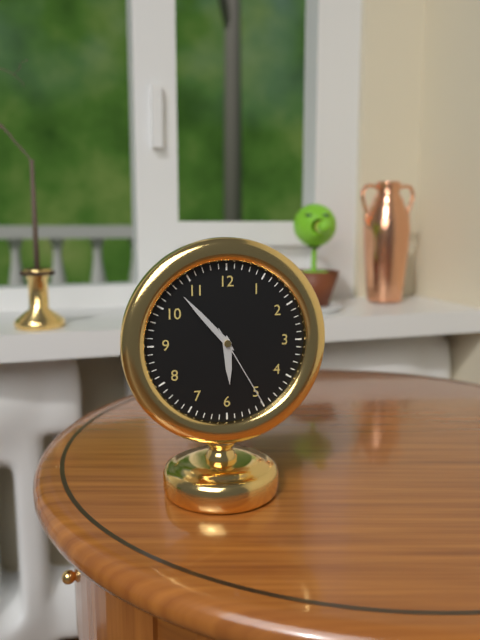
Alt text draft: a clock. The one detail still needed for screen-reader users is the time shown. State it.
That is 5:53:25
